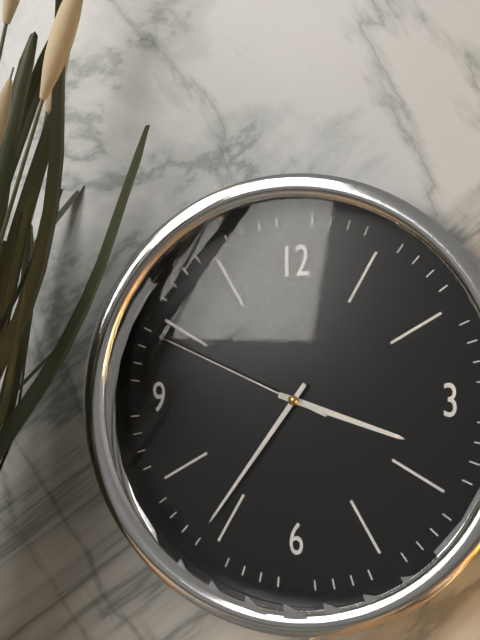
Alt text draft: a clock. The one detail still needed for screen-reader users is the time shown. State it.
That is 3:36:49
